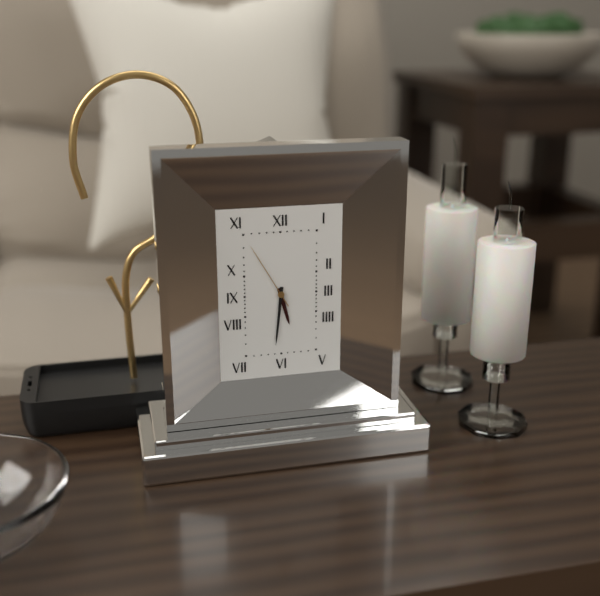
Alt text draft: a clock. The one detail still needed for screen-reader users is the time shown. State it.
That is 5:31:55
